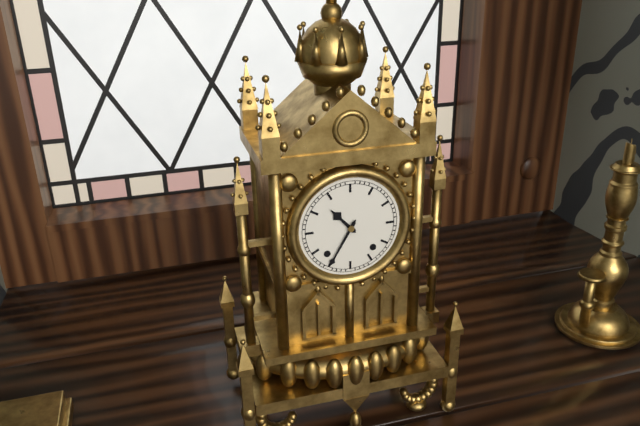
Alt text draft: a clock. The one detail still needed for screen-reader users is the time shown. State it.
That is 10:35
